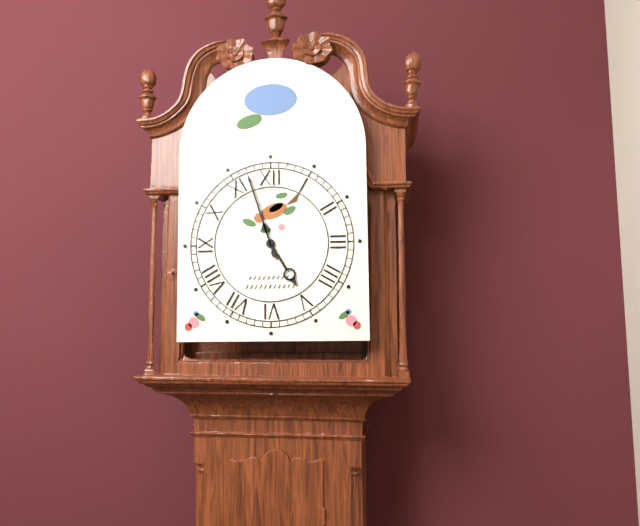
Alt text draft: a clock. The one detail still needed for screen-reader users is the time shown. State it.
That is 4:57
